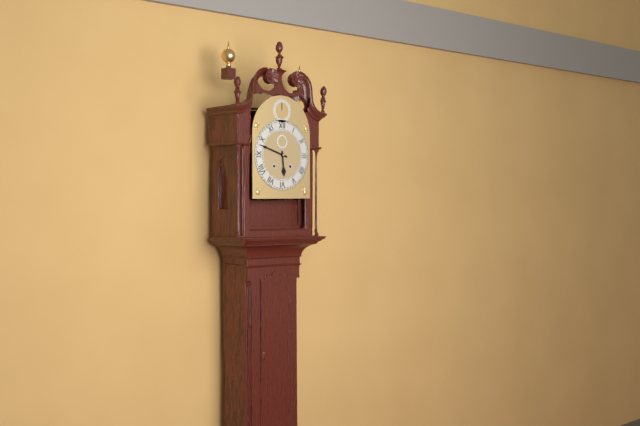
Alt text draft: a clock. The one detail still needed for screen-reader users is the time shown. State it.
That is 5:48
